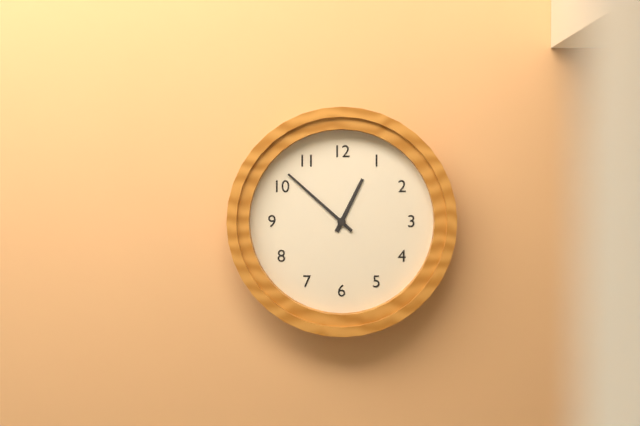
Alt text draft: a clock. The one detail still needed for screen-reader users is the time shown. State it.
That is 12:52
